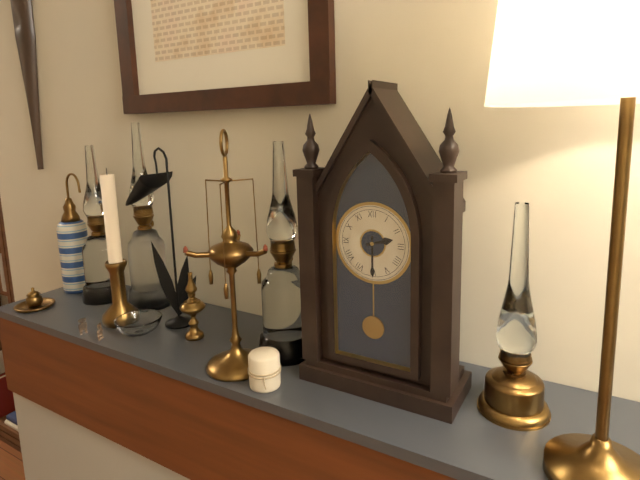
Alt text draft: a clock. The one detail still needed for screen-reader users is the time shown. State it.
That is 2:30
